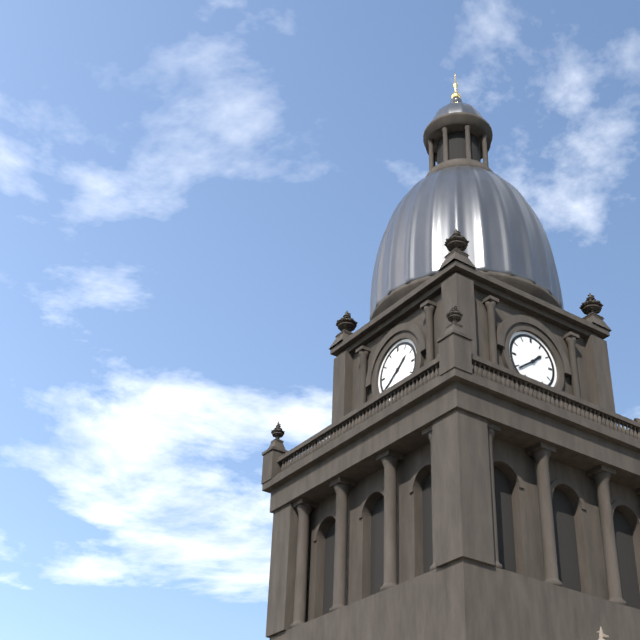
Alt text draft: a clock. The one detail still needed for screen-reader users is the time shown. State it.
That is 1:39
